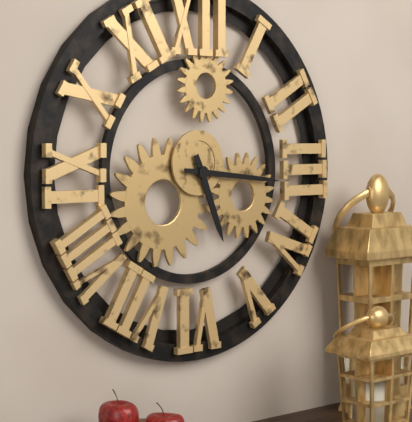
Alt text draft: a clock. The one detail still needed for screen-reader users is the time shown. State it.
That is 5:16
